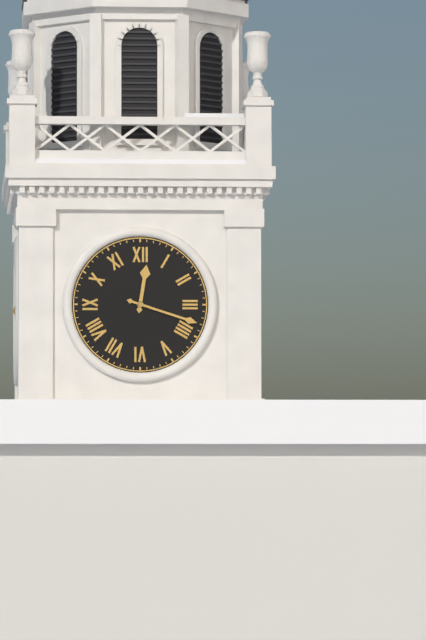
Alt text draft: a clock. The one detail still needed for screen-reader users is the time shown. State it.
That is 12:18
